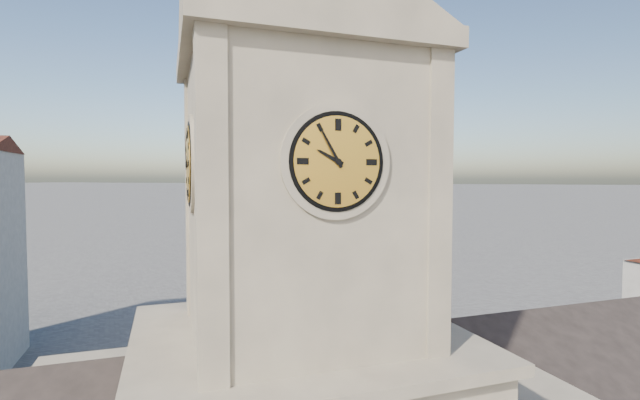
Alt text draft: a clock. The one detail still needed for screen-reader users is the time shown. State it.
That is 9:55
